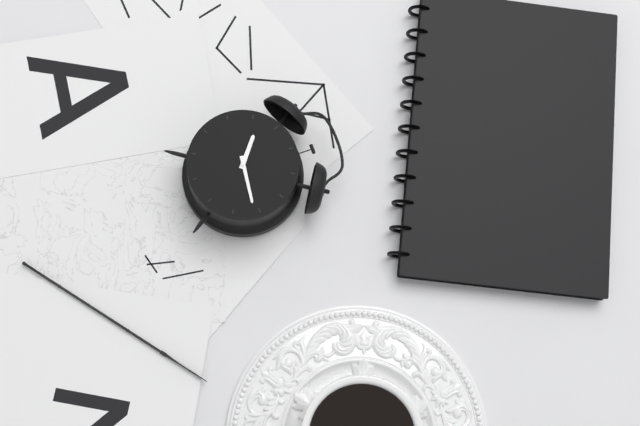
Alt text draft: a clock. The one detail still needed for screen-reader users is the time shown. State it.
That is 10:16
